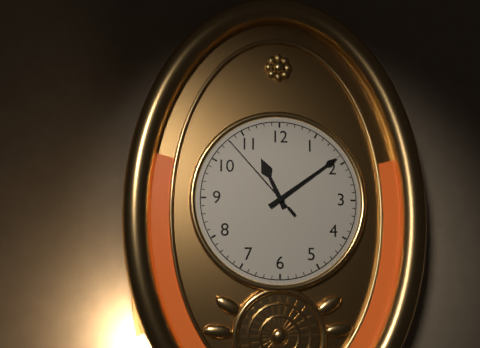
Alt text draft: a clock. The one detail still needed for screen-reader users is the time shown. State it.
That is 11:09:53
